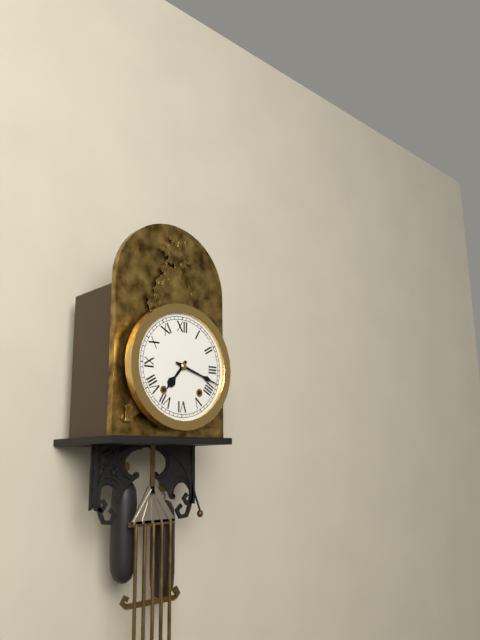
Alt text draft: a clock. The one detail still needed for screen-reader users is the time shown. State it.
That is 7:18
